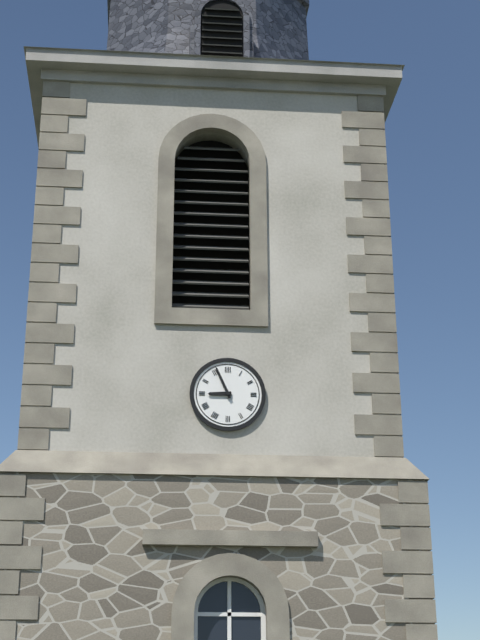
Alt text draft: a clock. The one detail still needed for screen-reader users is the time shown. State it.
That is 8:56
